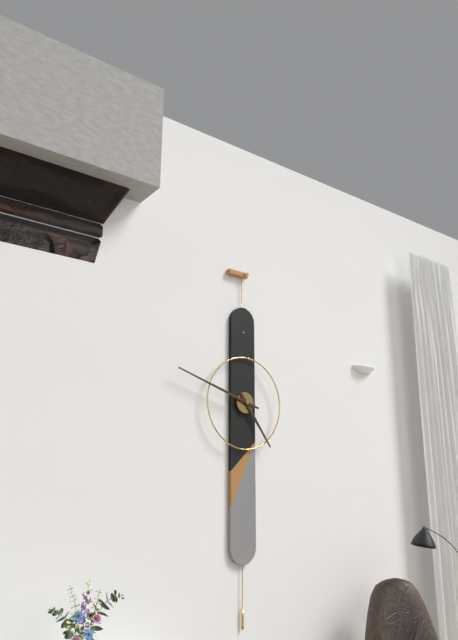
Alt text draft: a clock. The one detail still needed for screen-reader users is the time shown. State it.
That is 4:48
